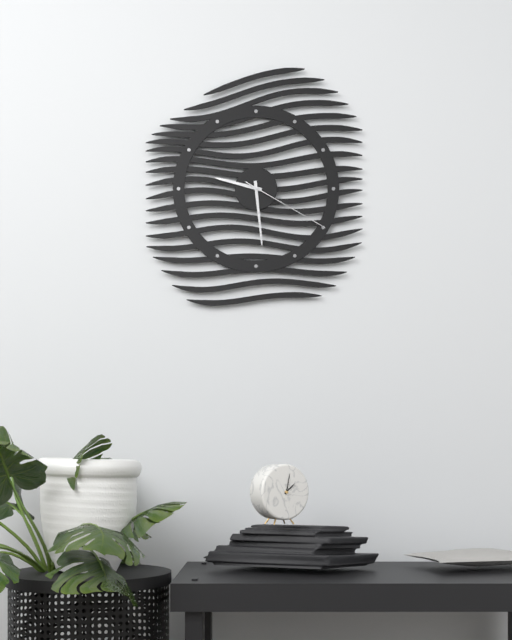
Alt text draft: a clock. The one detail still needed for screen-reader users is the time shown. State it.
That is 9:29:20
